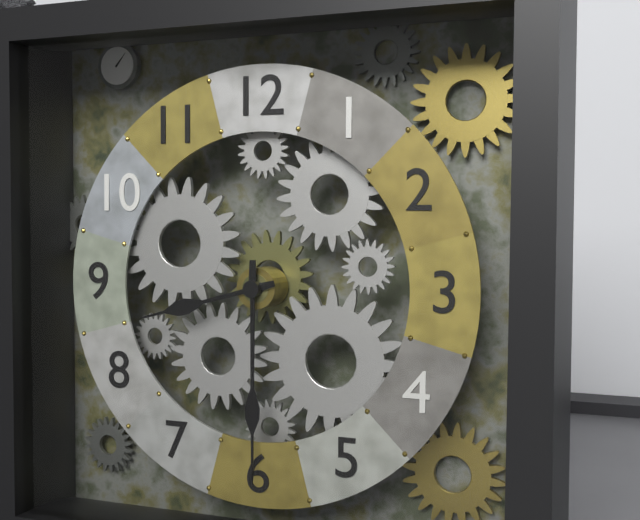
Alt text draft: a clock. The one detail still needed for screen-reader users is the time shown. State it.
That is 8:30
